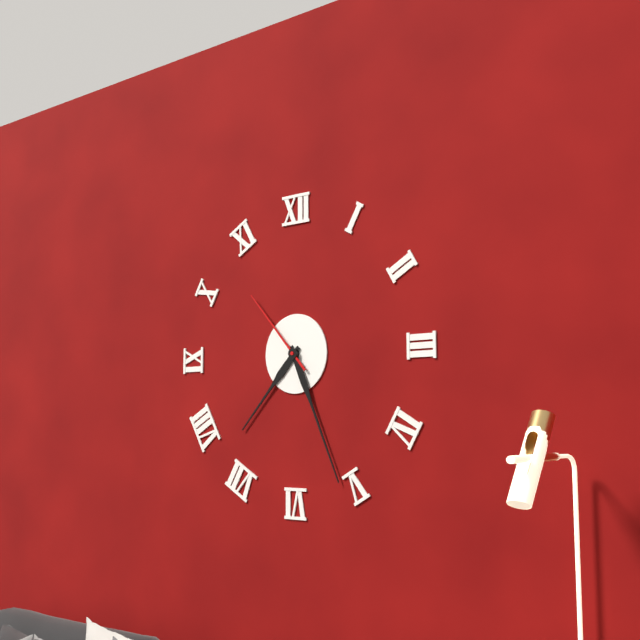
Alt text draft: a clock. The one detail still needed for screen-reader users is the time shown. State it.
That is 7:26:53
